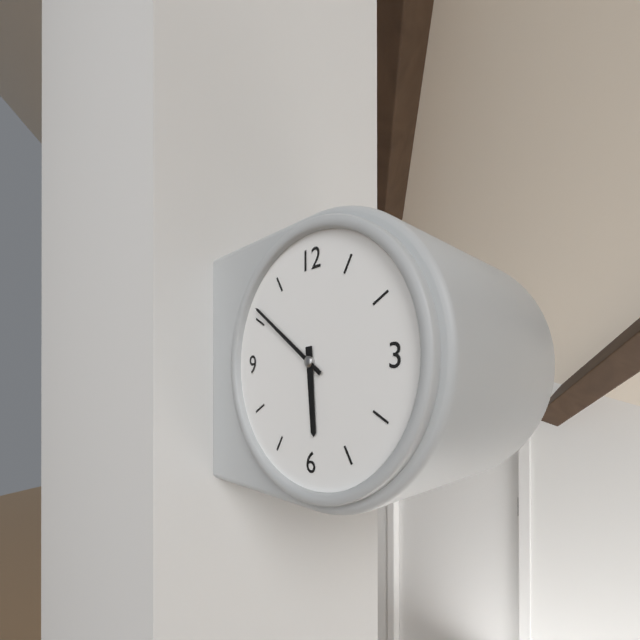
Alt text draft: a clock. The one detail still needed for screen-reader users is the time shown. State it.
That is 5:51
